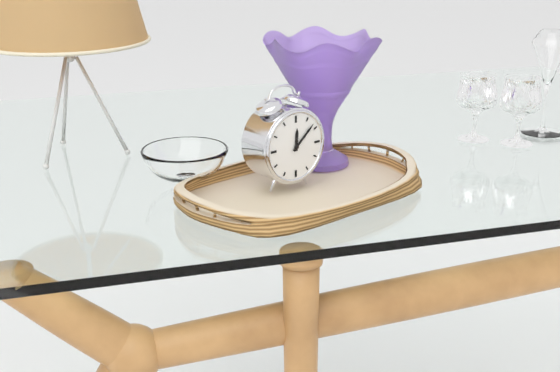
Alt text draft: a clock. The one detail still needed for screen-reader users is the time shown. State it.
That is 12:08
